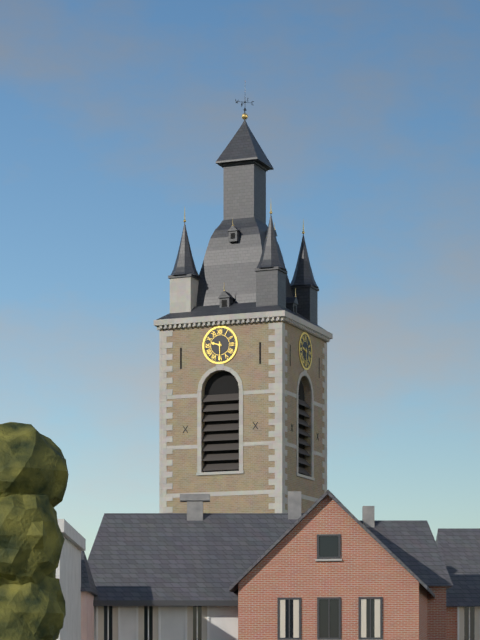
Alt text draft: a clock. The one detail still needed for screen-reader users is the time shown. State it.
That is 9:30
